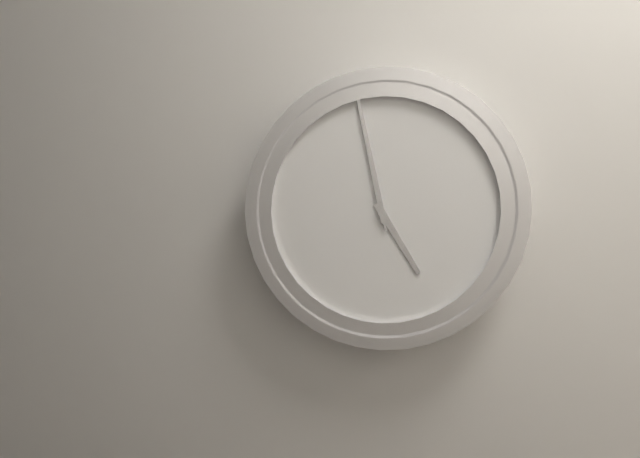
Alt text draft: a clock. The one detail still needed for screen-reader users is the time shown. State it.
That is 4:58:58
